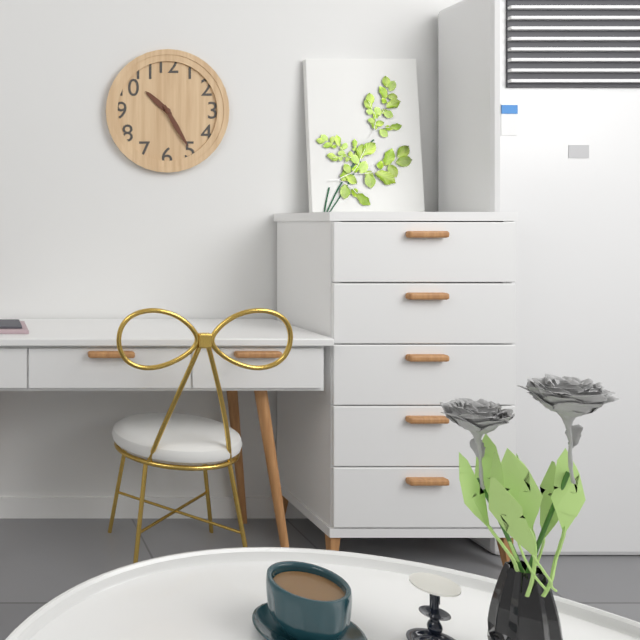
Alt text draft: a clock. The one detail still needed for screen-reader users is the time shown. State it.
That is 10:25
